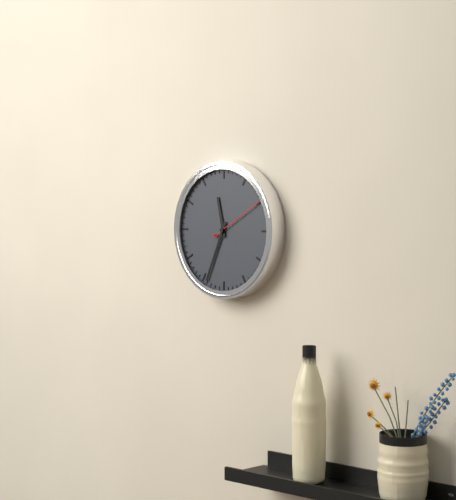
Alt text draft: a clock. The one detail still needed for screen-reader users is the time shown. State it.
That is 11:34:10
